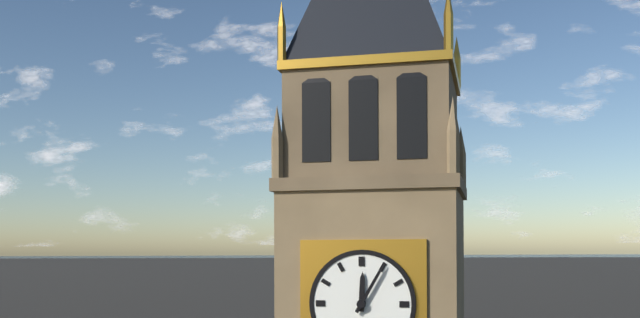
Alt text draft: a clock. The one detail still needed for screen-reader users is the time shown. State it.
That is 12:05
